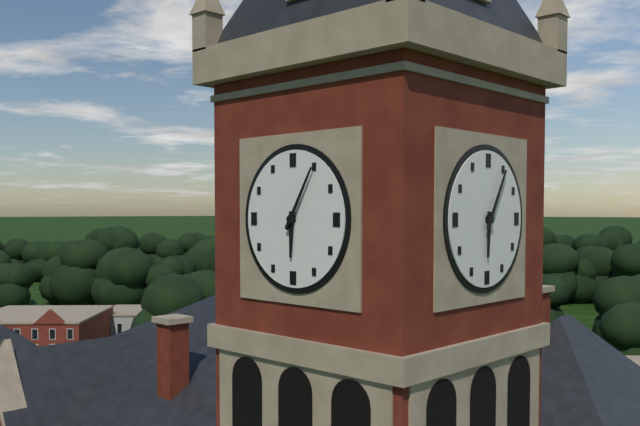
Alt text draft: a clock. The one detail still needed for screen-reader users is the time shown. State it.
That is 6:05
